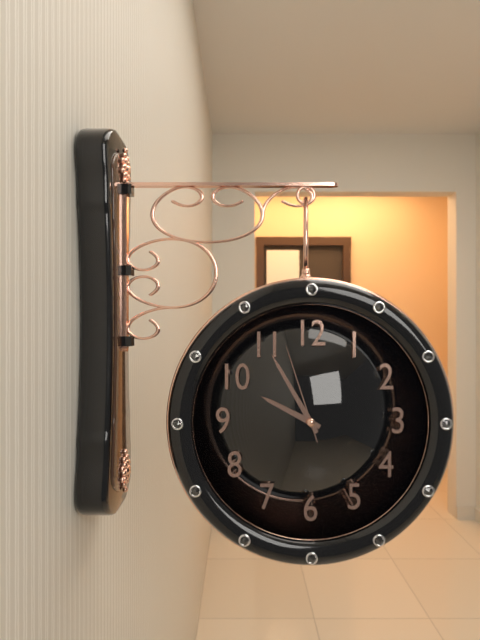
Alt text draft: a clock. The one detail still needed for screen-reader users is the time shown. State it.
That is 9:55:57
